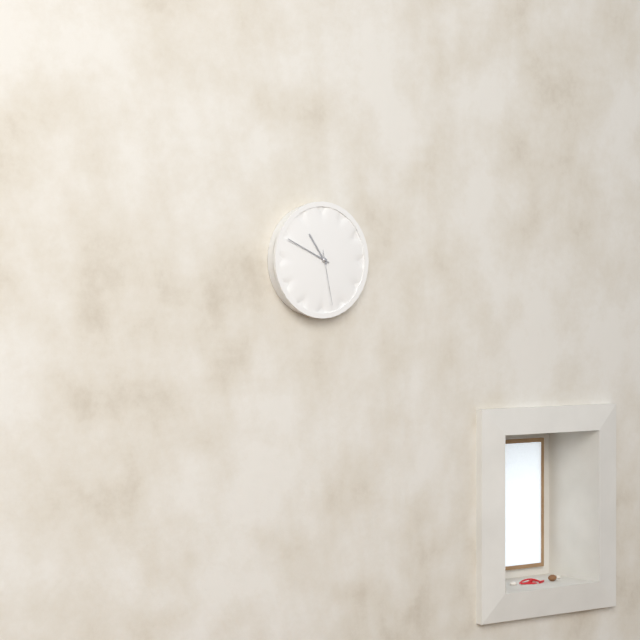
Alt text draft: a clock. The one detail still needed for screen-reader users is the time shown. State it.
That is 10:49:28
